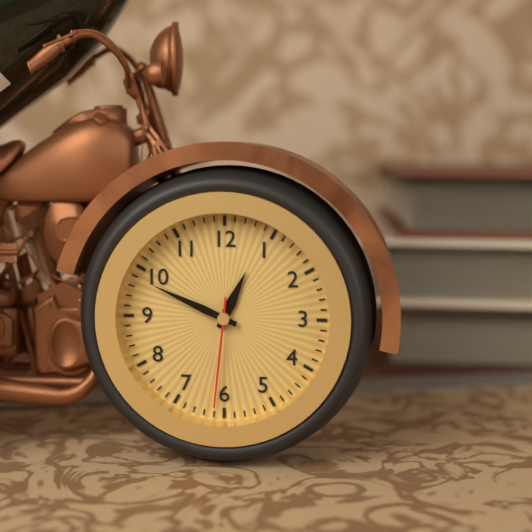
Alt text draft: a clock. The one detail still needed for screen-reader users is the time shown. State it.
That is 12:49:31
